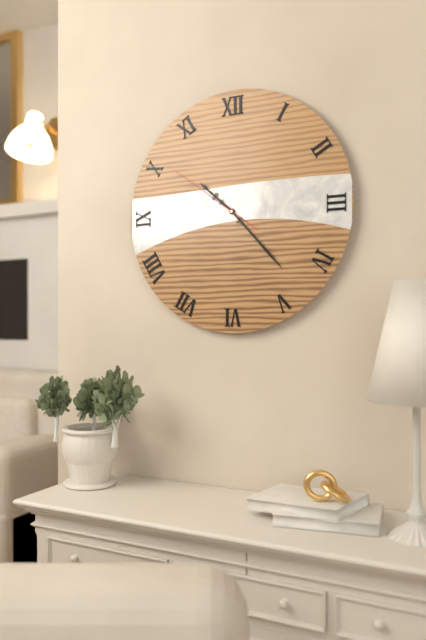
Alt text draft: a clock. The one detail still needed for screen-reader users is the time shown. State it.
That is 10:23:51
